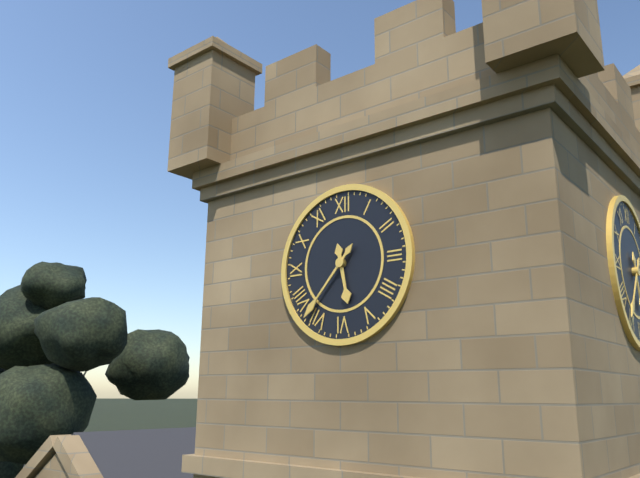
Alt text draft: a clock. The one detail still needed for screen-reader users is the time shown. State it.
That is 5:37
